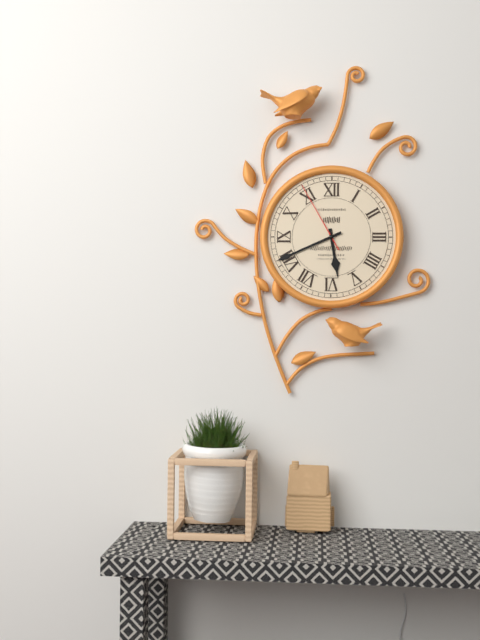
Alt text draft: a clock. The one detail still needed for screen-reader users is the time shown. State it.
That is 5:41:55
